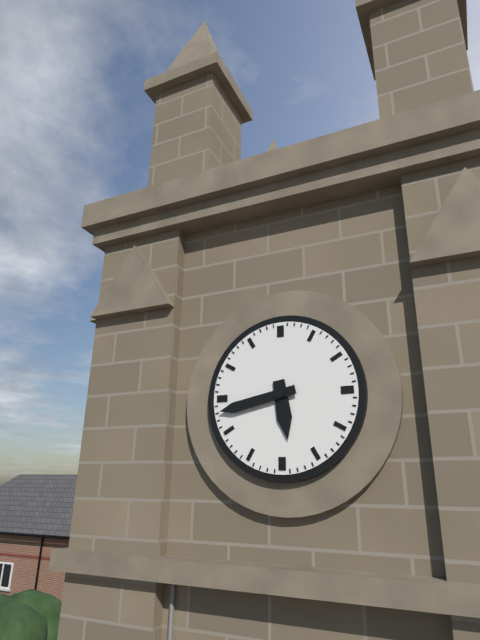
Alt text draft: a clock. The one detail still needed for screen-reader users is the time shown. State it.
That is 5:43
